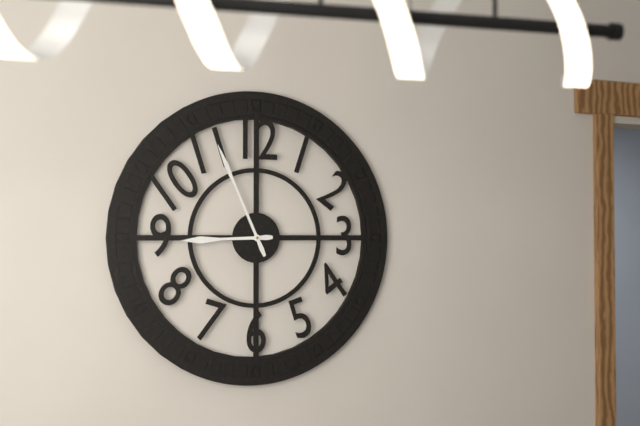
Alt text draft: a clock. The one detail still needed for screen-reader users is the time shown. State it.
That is 8:56
